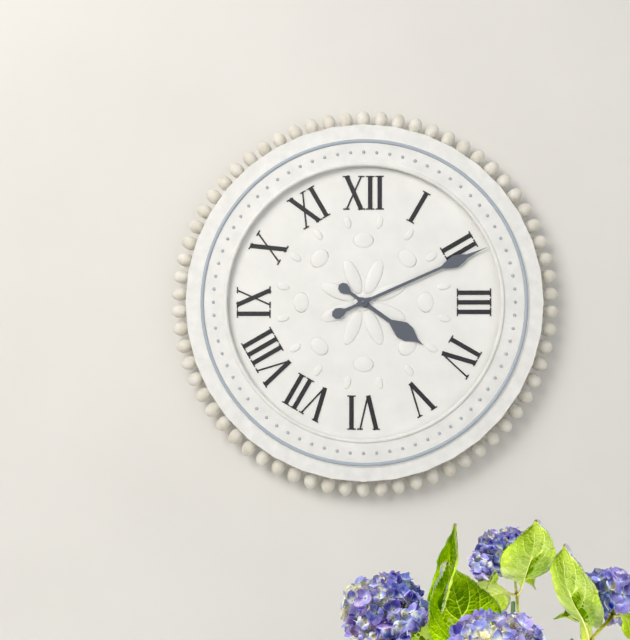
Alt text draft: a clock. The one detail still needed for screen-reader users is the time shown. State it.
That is 4:11
